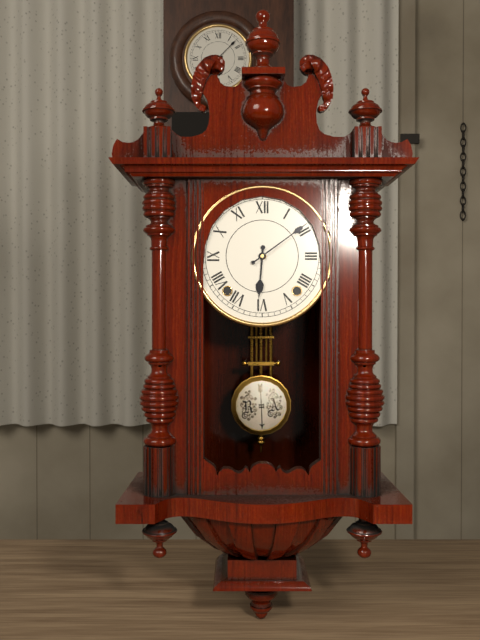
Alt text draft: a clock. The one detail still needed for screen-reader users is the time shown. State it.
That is 6:09
